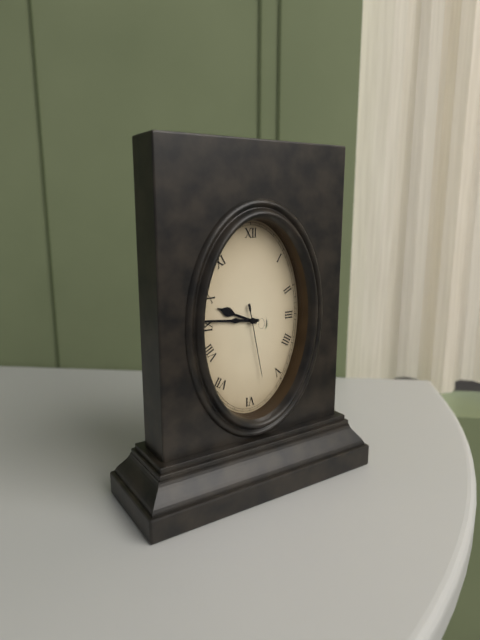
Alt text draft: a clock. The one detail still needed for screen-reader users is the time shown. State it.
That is 9:46:28
